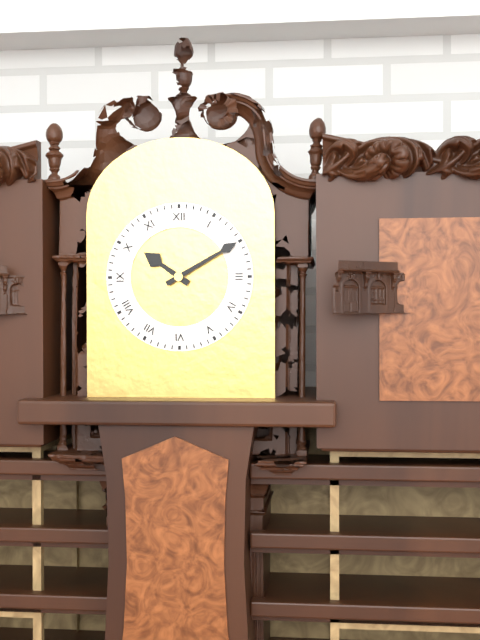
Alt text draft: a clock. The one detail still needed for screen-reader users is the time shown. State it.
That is 10:10
